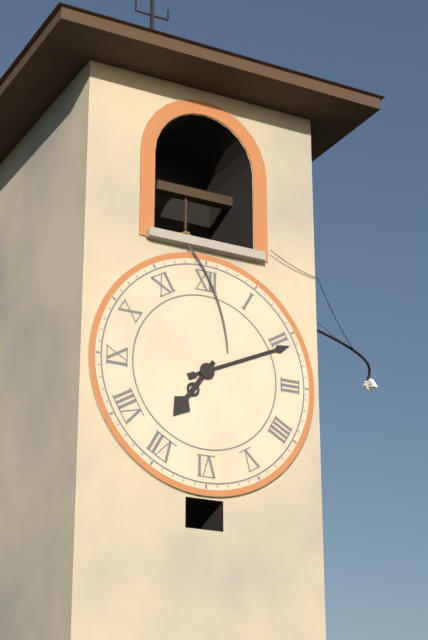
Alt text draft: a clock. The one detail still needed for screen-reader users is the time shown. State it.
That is 7:11
